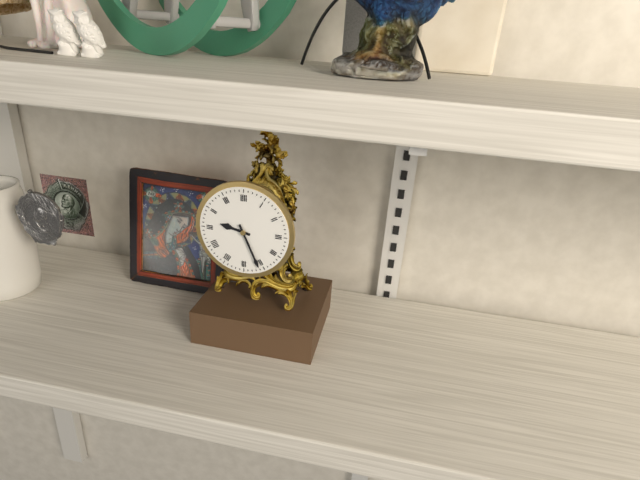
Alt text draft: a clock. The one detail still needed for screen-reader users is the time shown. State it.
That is 9:26
